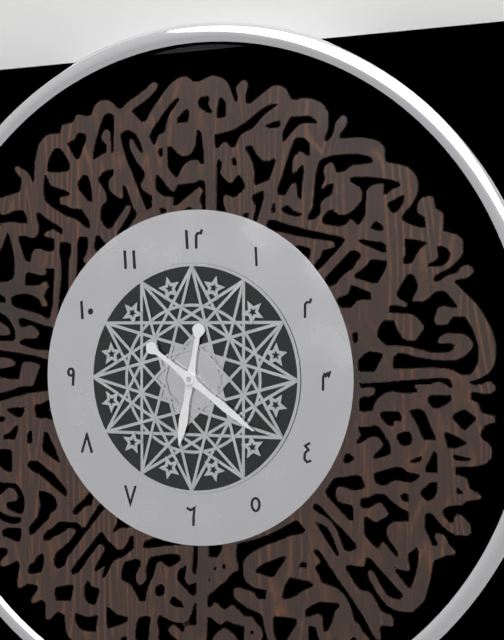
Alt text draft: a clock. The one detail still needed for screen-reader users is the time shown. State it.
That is 6:21
